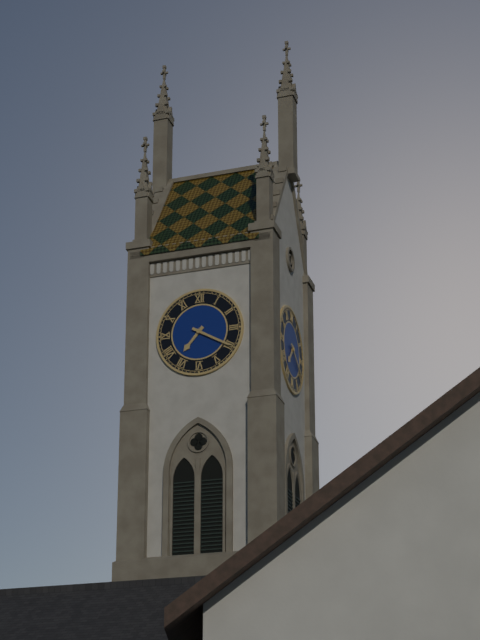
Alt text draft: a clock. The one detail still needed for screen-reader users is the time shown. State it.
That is 7:20
